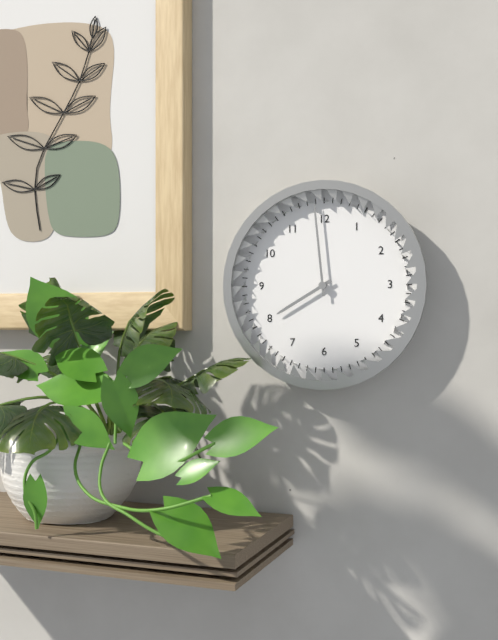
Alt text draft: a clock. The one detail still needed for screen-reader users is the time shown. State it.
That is 7:59
